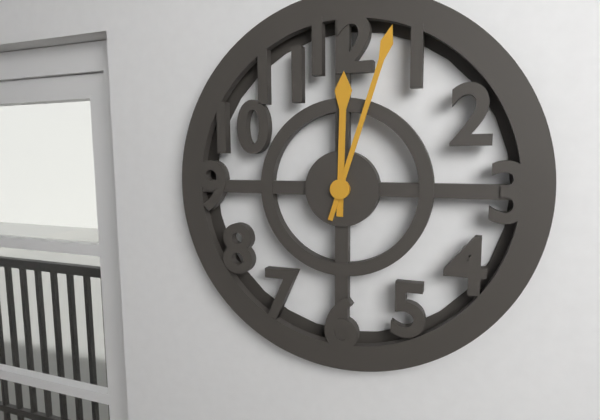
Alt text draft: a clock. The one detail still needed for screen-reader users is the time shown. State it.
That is 12:03
